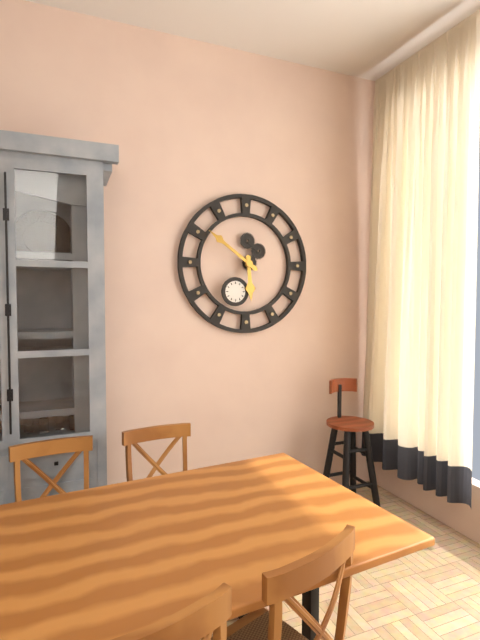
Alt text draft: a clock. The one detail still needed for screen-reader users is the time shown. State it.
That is 5:51
